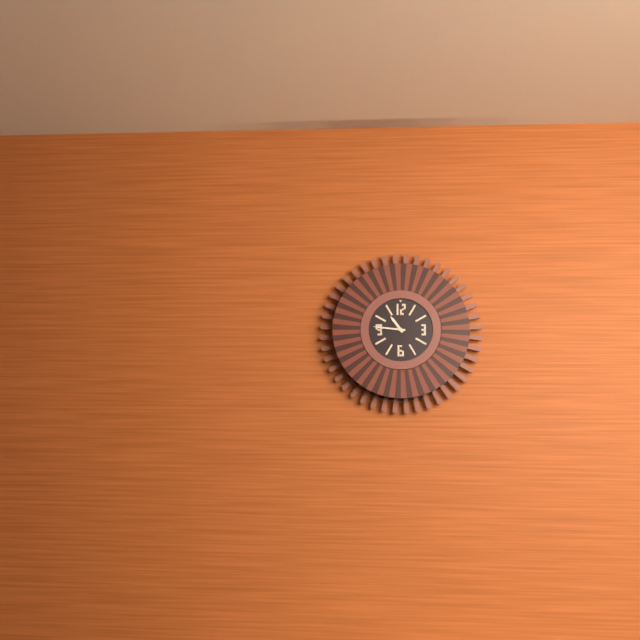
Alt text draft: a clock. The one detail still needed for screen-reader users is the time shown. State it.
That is 10:46
